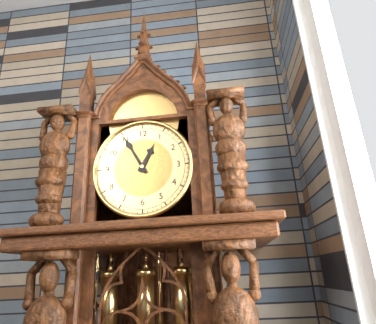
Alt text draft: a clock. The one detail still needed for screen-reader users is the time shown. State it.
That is 12:55
